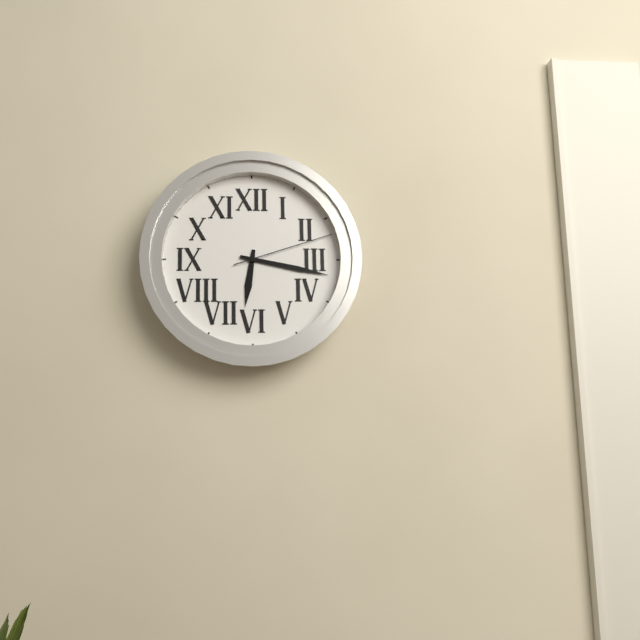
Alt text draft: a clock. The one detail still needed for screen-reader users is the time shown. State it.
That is 6:17:12
